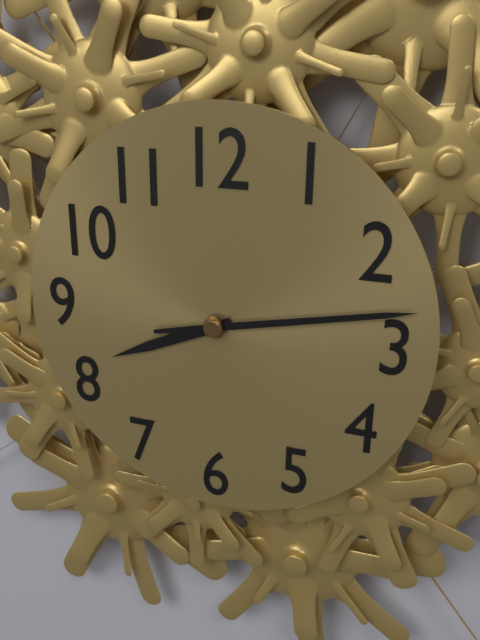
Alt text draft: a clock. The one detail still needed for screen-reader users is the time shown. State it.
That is 8:13
